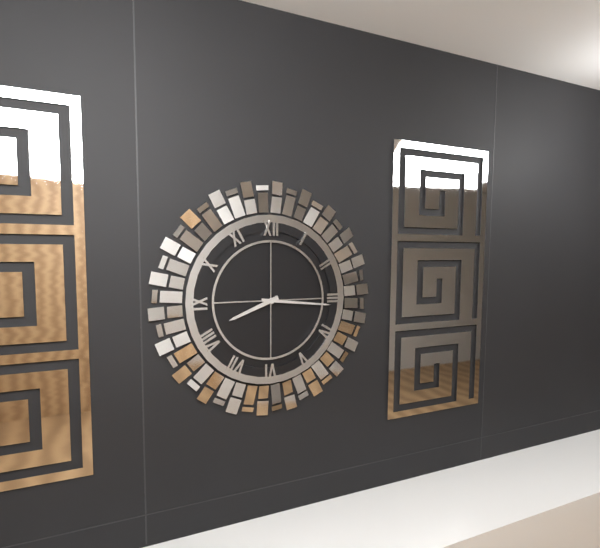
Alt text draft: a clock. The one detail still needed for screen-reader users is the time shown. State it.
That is 8:16
